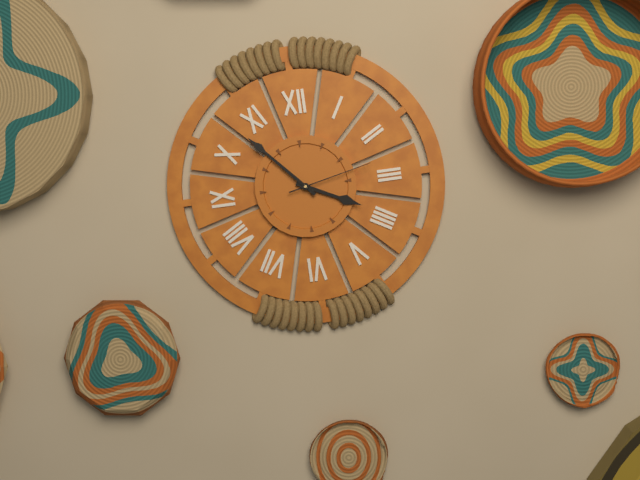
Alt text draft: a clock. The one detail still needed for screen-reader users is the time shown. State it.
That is 3:53:13
